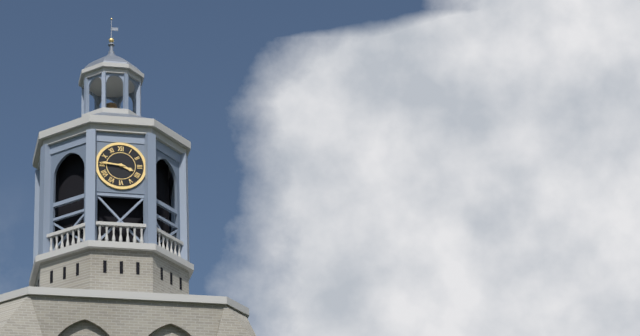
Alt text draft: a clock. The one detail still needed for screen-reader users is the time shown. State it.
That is 3:46
